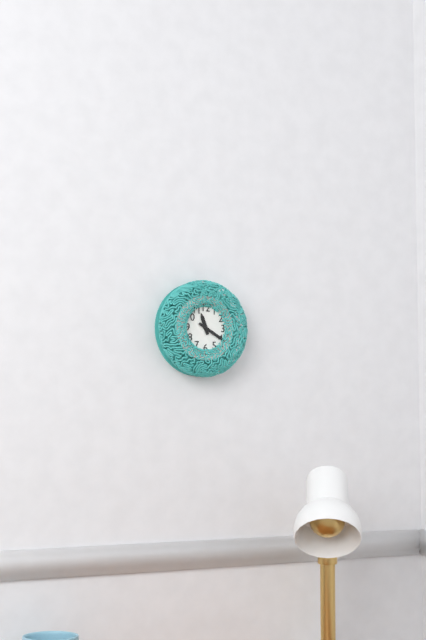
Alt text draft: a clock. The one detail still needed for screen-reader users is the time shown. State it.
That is 11:20
